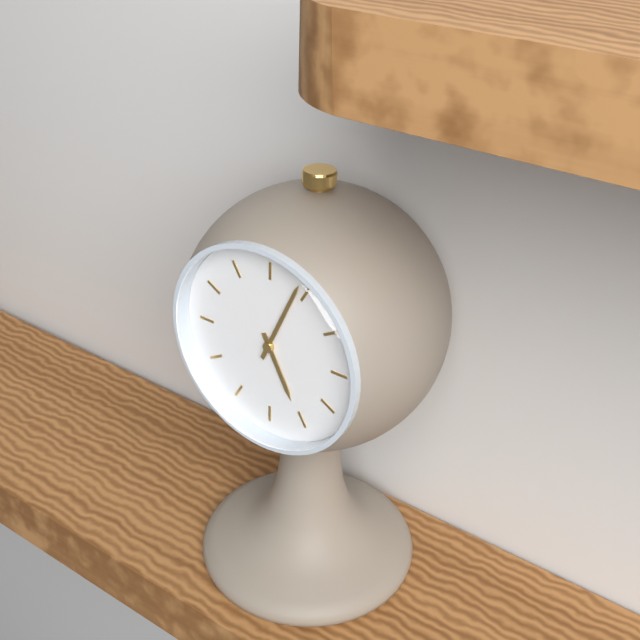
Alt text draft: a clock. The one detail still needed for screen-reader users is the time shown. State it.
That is 5:04
